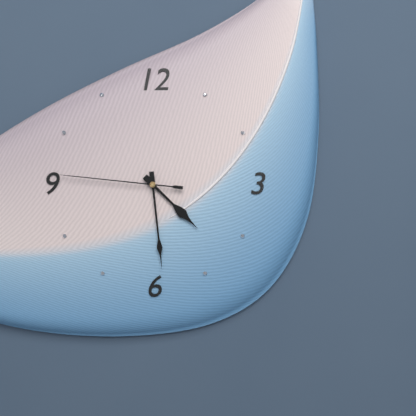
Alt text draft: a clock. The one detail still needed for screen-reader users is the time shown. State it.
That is 4:29:46
